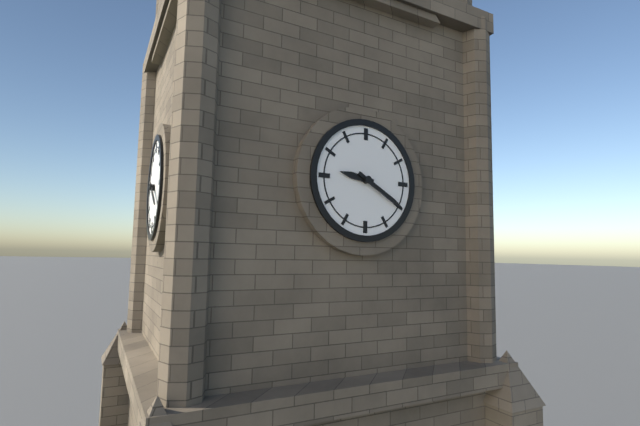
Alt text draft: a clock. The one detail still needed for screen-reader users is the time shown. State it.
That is 9:20
